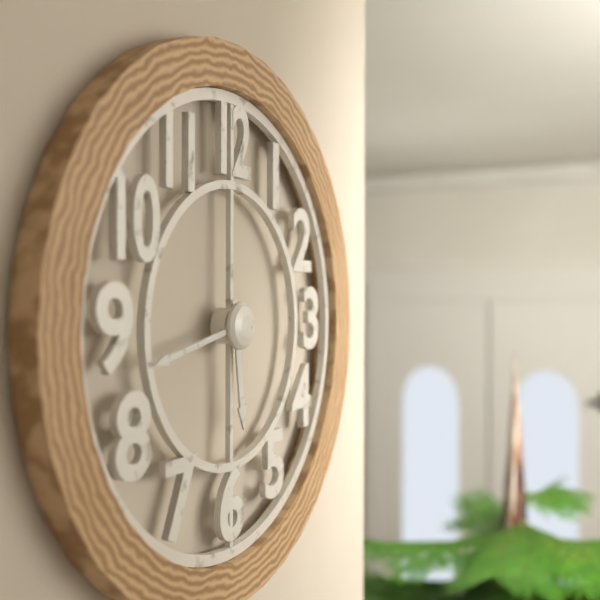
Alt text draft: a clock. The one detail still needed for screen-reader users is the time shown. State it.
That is 5:43
